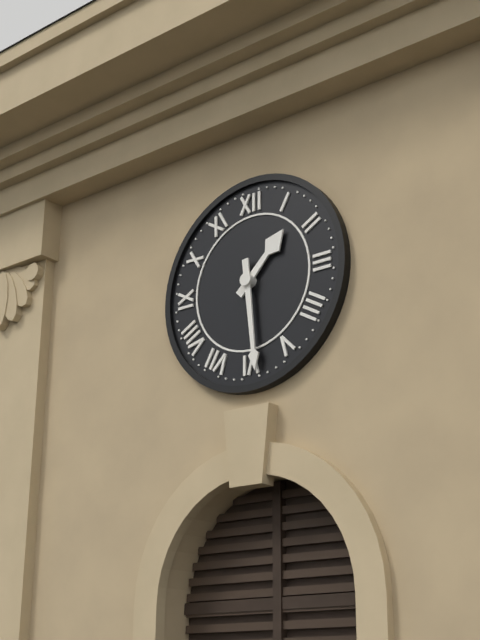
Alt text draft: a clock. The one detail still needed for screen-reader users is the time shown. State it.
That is 1:29
